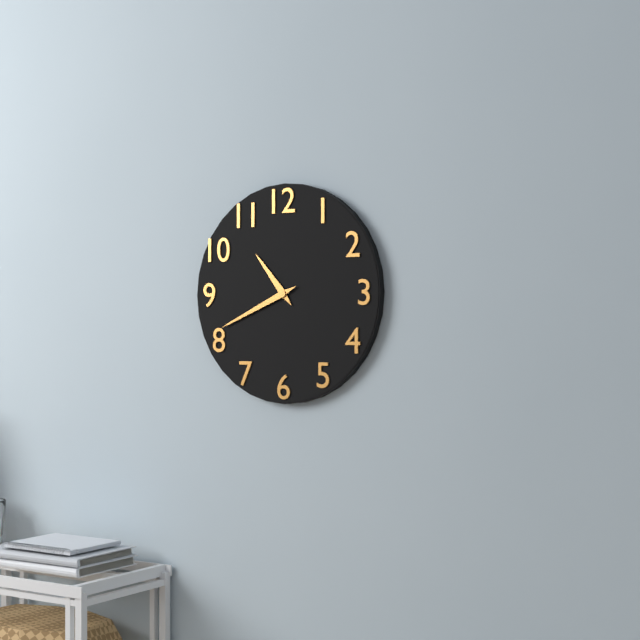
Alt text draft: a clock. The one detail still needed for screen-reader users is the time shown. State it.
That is 10:41
